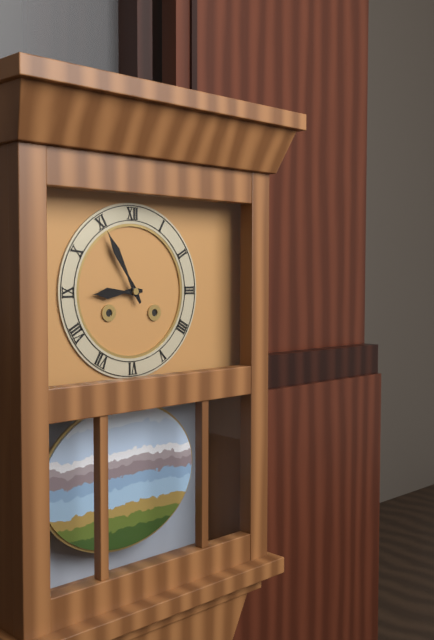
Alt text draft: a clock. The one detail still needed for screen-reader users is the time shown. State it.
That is 8:55
